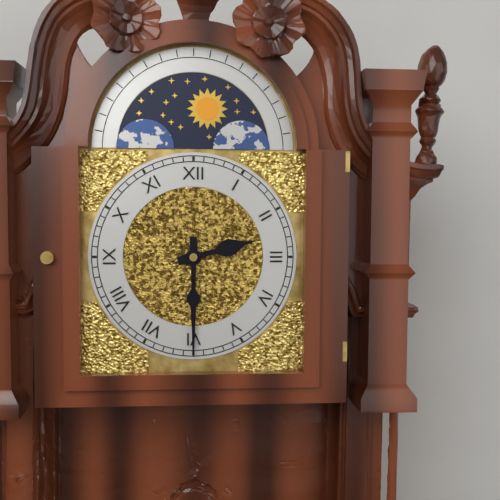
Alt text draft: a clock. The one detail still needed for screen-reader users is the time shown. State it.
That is 2:30
